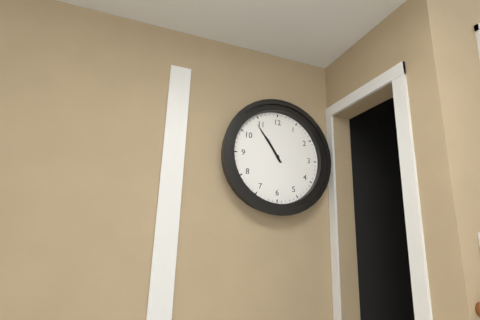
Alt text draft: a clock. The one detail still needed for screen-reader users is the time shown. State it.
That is 10:54
